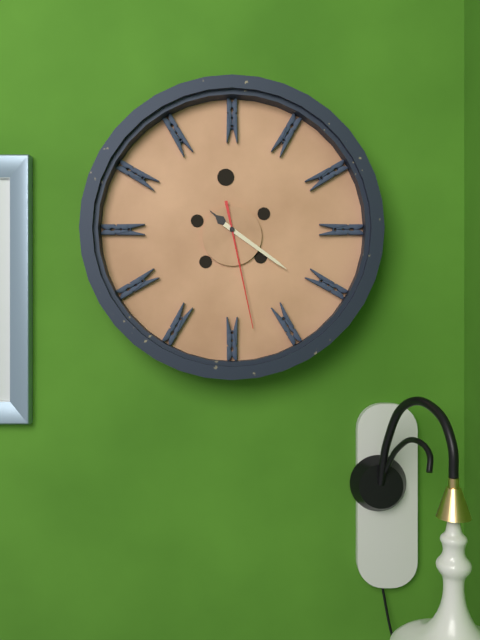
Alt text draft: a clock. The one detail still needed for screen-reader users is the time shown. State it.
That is 10:21:28
